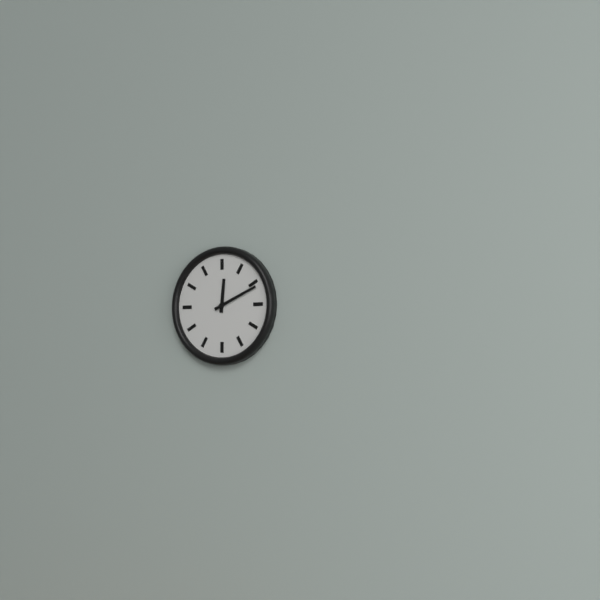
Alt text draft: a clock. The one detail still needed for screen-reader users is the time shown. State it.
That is 12:11
